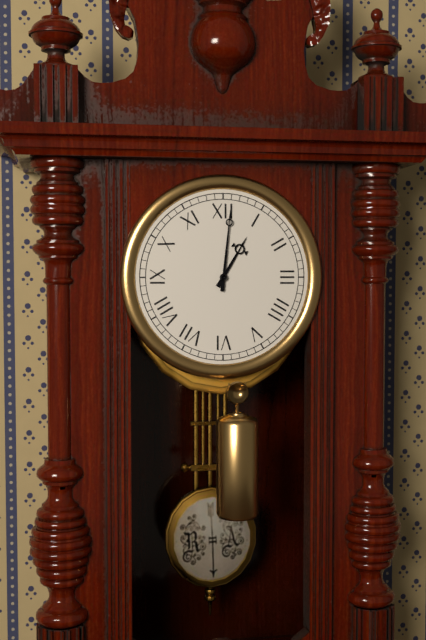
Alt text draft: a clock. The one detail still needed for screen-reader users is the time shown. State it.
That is 1:01
